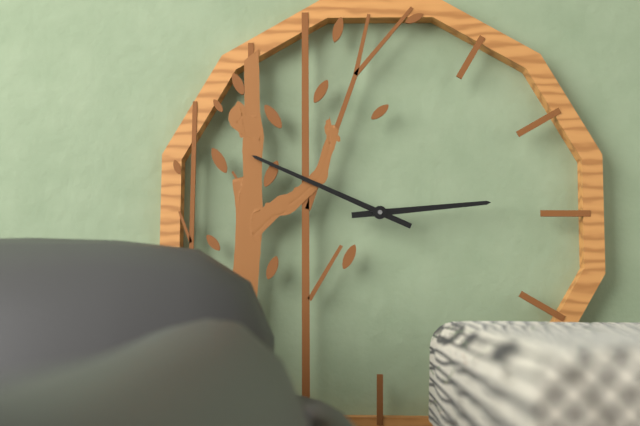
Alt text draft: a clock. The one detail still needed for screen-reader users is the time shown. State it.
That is 2:49
